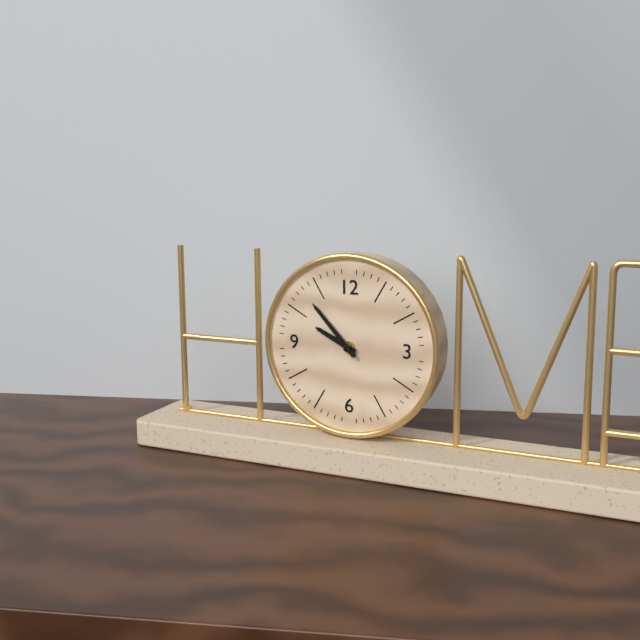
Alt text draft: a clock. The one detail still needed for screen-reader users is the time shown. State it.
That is 9:53
